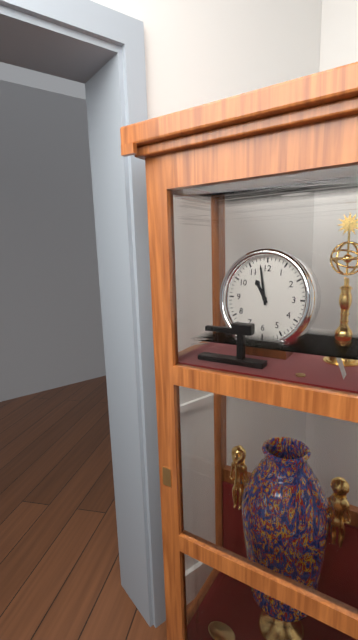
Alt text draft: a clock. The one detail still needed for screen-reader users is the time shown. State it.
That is 10:58
